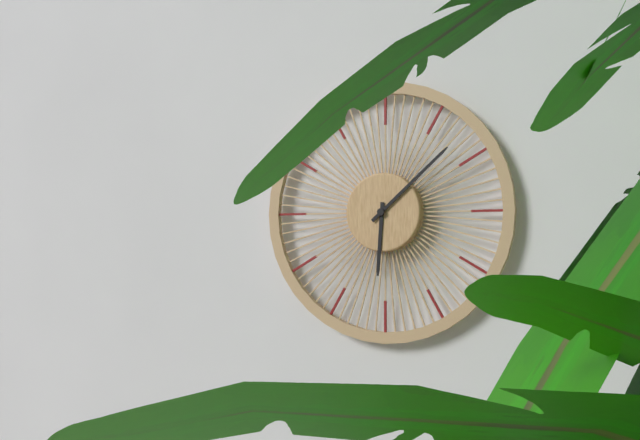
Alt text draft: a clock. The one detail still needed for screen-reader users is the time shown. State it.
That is 6:08
